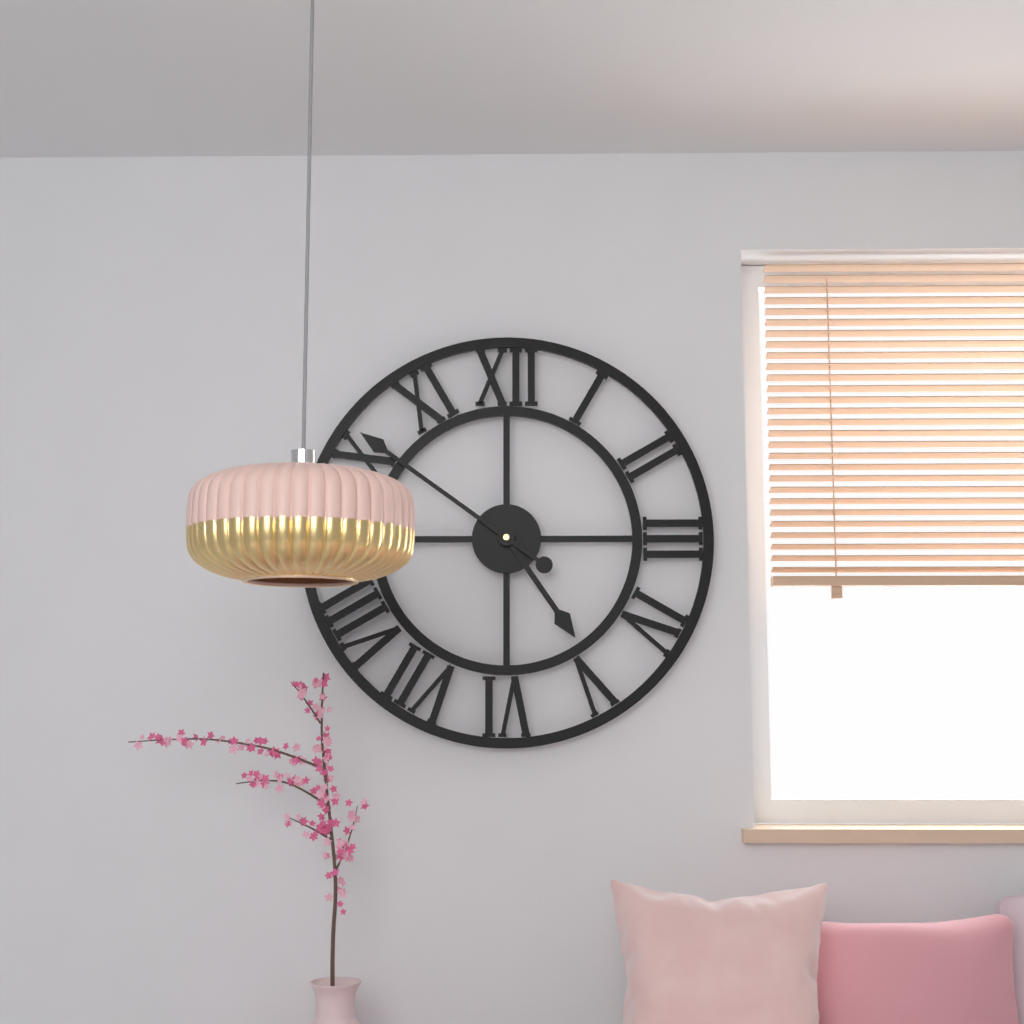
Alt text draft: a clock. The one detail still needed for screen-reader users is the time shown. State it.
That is 4:51
